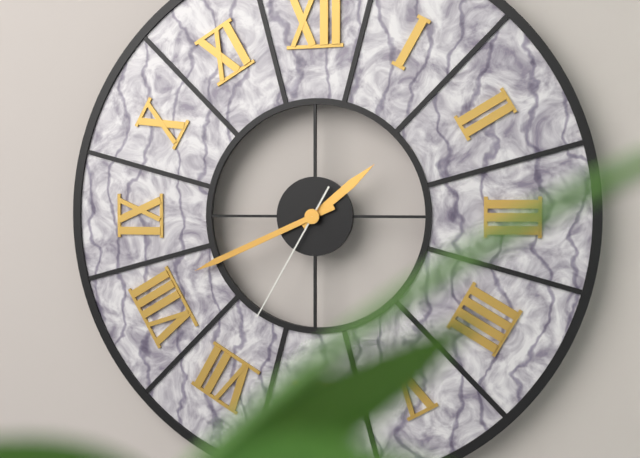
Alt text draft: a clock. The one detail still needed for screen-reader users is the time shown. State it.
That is 1:41:35
